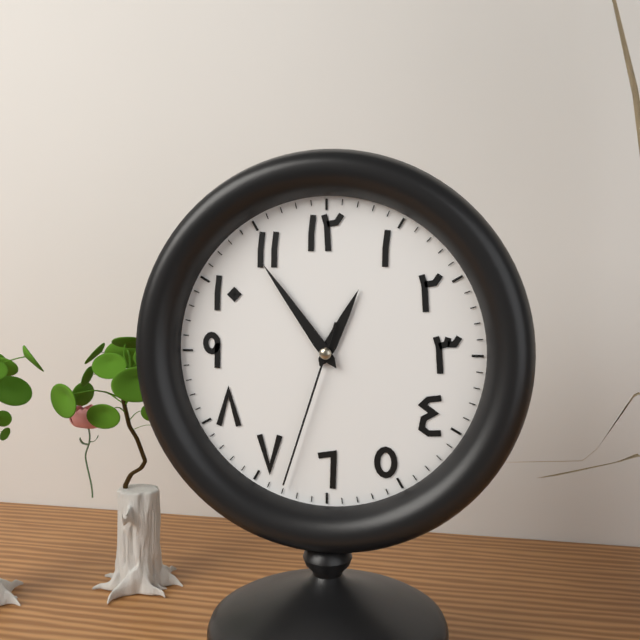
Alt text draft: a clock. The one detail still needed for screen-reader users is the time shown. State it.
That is 12:54:33
